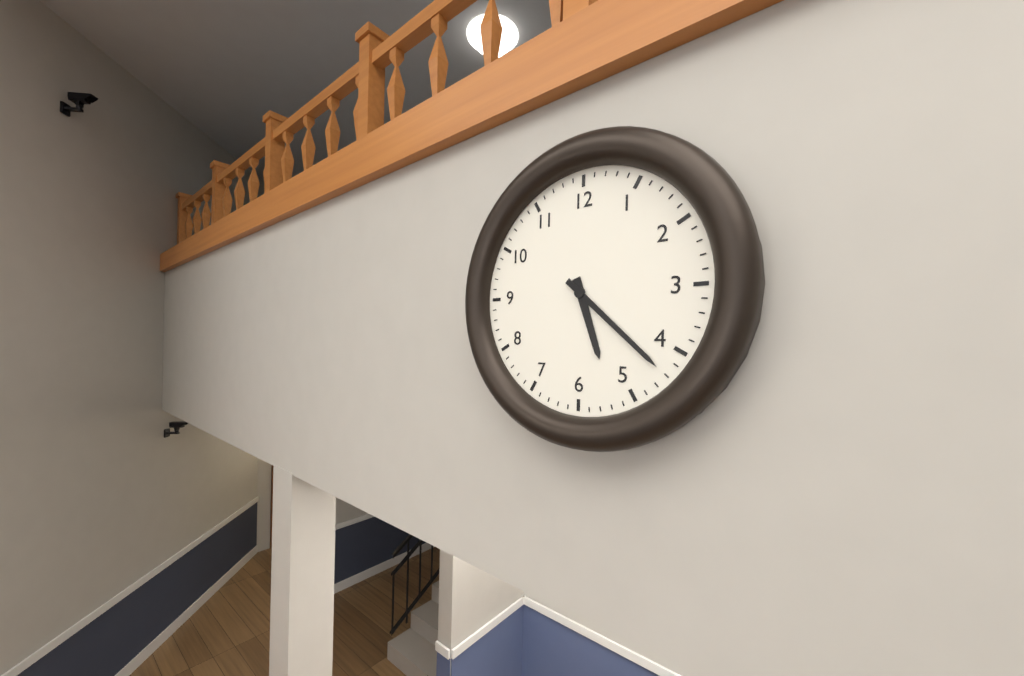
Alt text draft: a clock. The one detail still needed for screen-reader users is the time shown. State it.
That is 5:22
